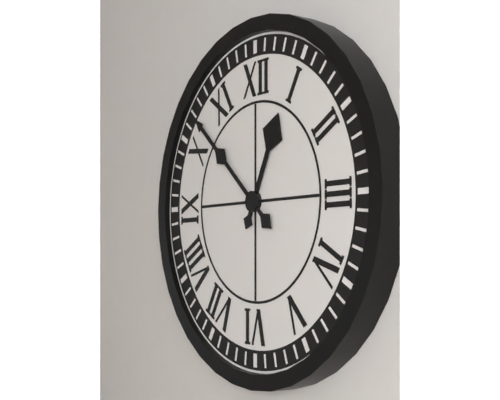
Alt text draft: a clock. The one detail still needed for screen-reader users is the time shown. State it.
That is 12:52
